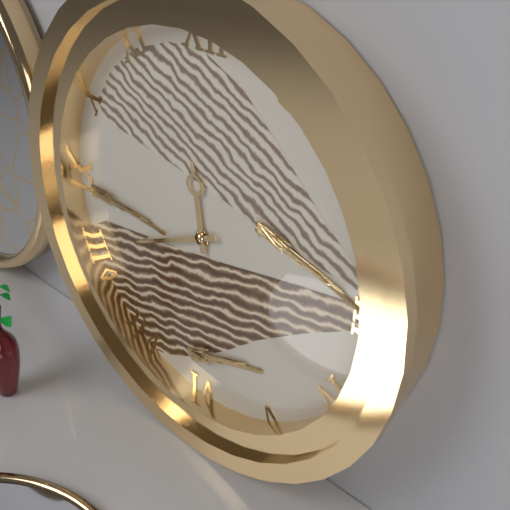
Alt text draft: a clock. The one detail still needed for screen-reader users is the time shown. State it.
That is 11:41
